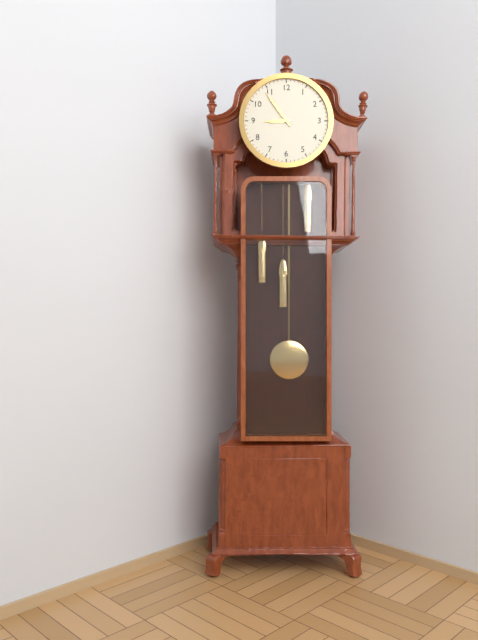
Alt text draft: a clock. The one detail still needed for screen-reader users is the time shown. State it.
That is 8:54
